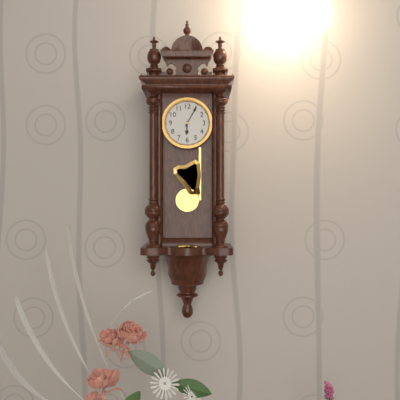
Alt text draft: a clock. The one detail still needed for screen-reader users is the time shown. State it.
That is 6:05
